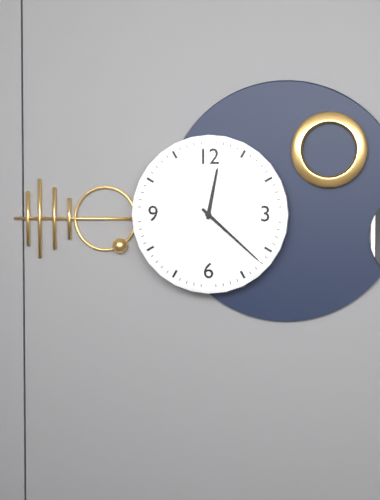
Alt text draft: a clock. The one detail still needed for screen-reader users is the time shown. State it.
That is 12:22
